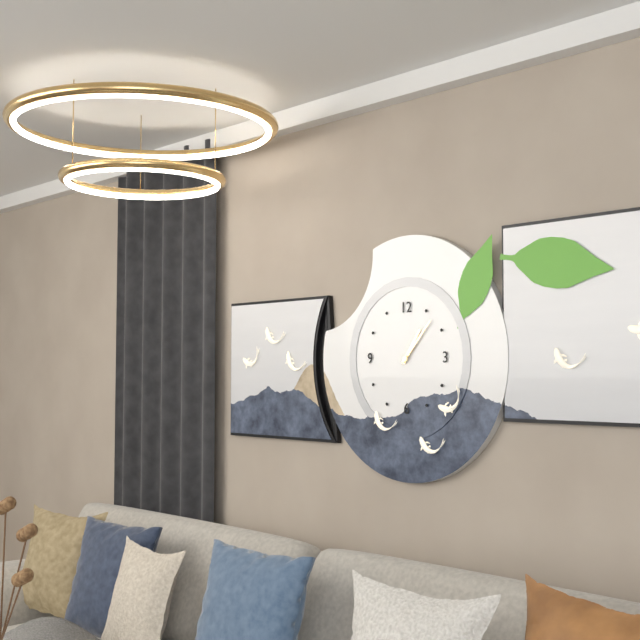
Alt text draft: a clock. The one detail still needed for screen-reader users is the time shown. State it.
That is 1:07
